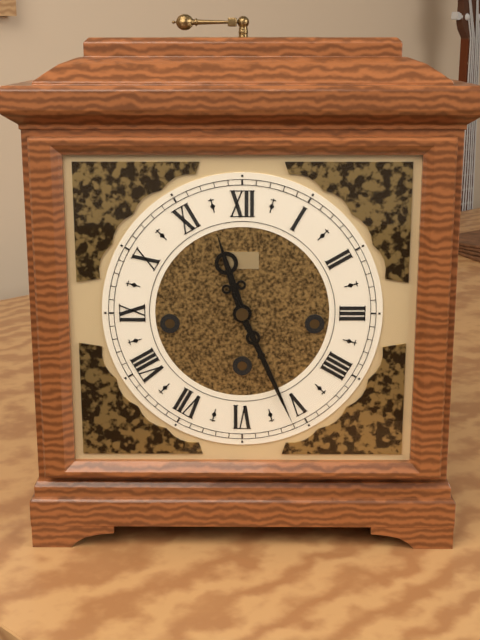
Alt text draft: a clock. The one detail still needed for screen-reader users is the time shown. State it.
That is 11:26
